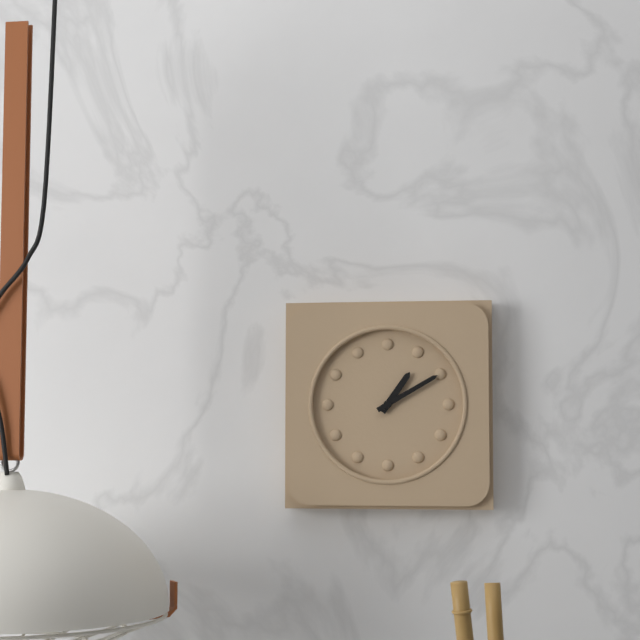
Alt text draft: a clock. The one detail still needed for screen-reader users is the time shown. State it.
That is 1:10
